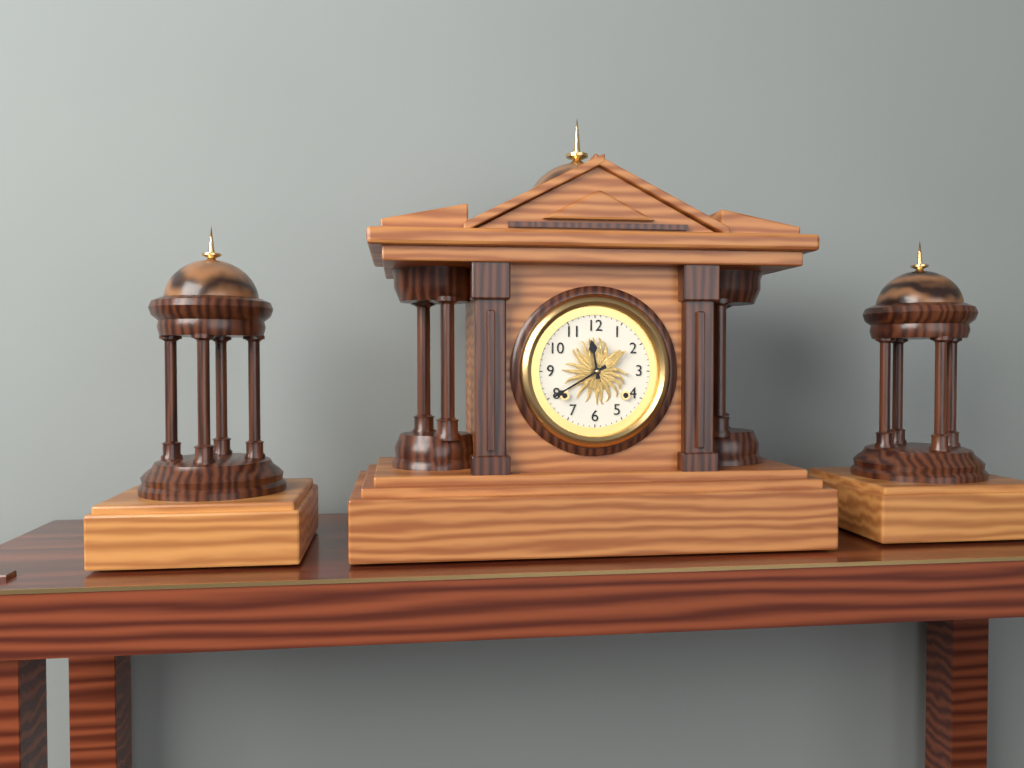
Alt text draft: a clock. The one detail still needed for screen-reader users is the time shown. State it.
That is 11:40
